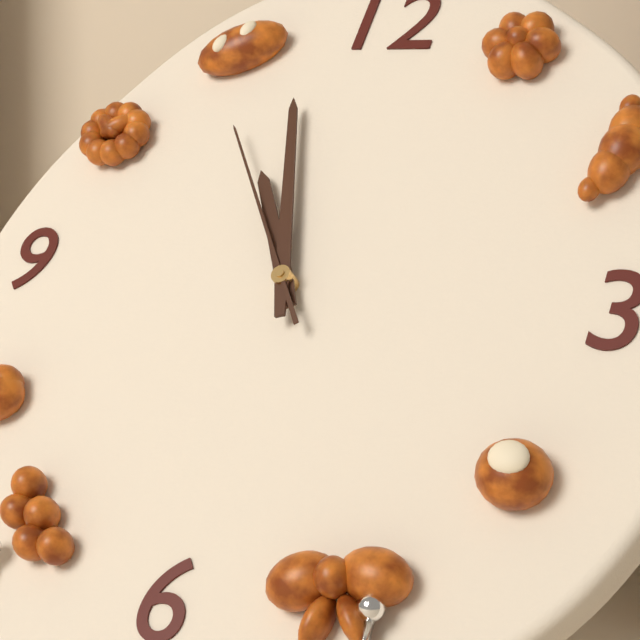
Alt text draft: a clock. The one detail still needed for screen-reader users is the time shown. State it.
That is 10:57:54
